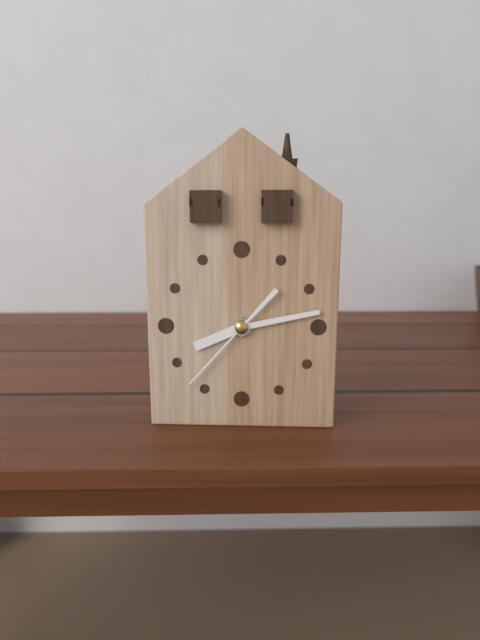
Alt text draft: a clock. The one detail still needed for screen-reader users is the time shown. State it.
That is 8:13:37
